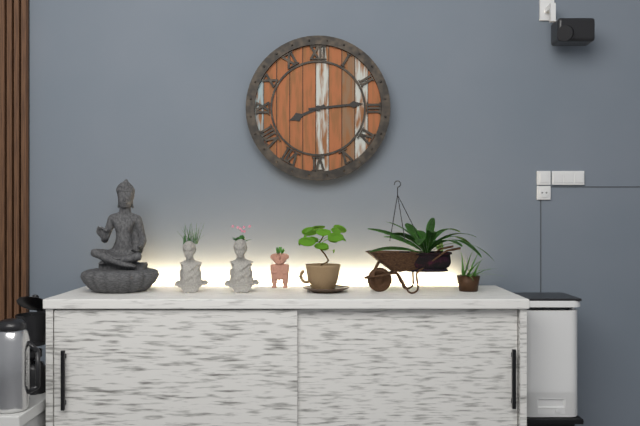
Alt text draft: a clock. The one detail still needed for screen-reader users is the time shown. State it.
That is 8:14
